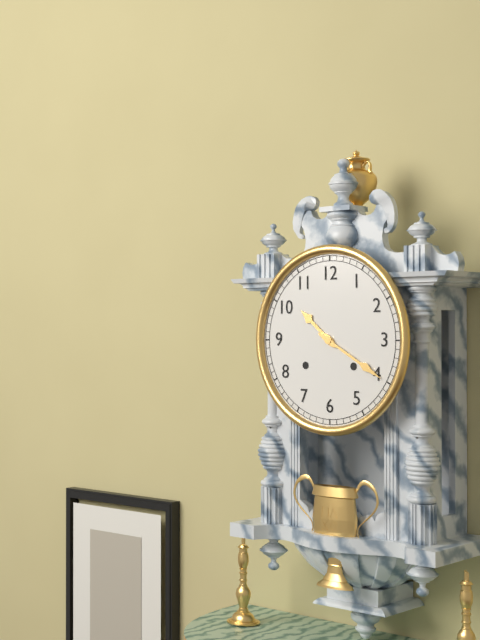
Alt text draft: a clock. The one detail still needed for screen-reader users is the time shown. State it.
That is 10:20
